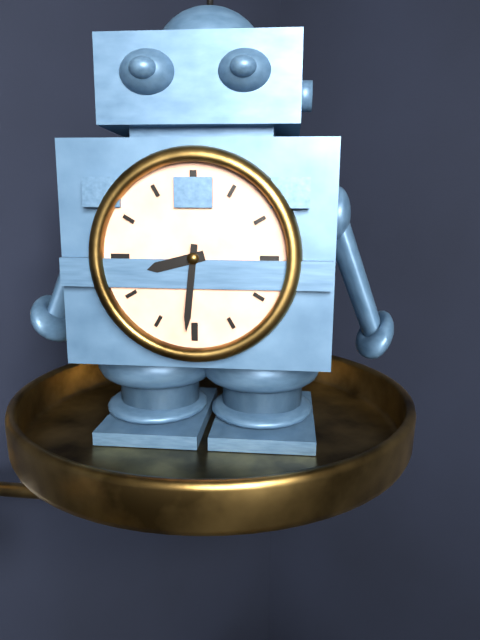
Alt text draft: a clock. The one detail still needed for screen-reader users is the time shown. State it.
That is 8:31
